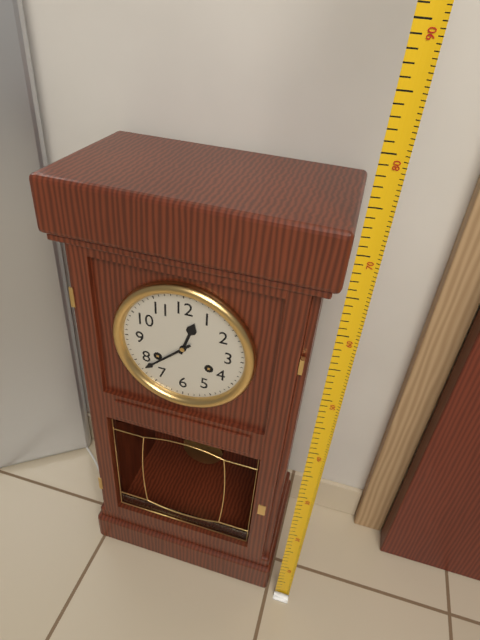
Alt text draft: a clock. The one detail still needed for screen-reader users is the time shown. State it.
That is 12:38
